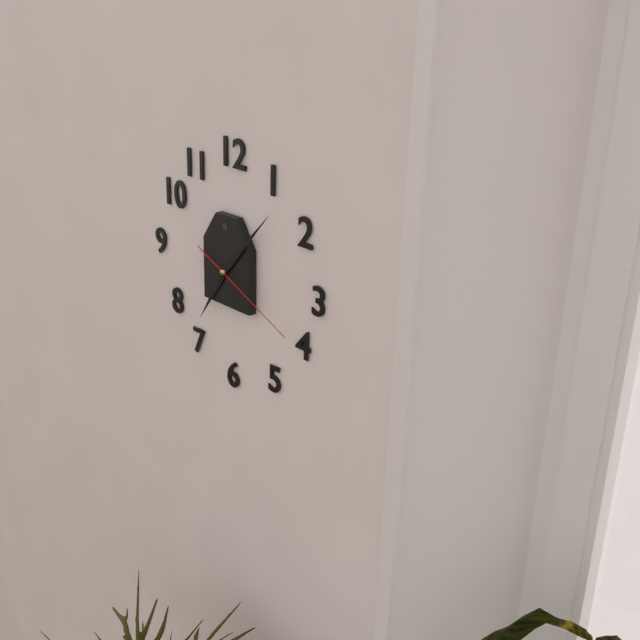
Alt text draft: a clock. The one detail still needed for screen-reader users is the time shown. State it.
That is 7:07:19
